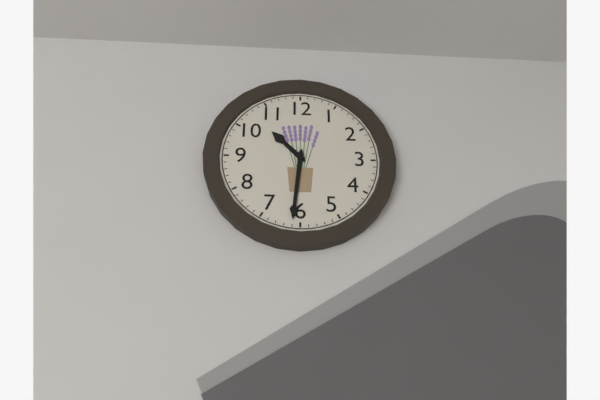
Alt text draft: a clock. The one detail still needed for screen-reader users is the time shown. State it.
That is 10:31
